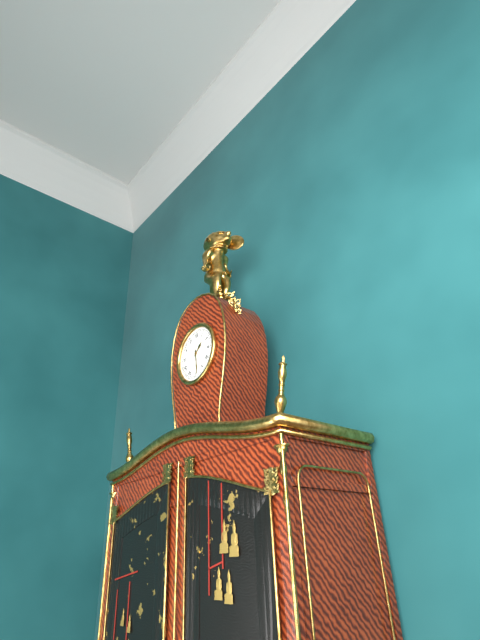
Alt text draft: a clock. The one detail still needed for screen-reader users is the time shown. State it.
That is 1:29
